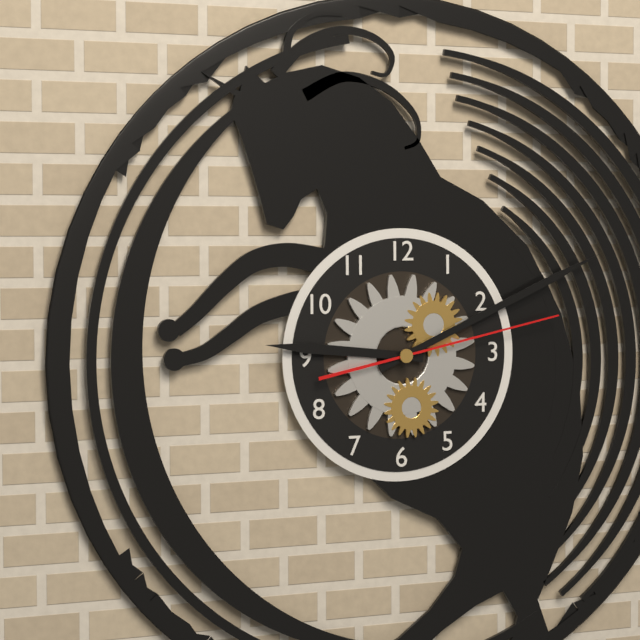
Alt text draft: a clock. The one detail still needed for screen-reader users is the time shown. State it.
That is 9:11:13
